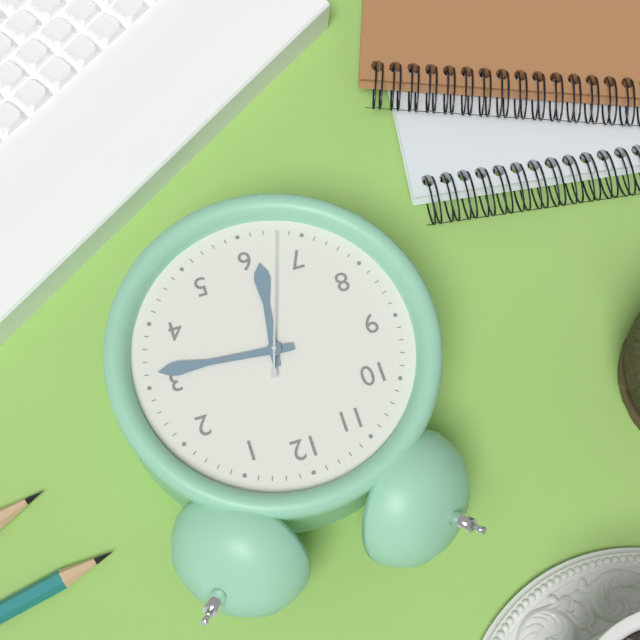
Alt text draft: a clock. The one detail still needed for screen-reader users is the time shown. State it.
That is 6:16:33
